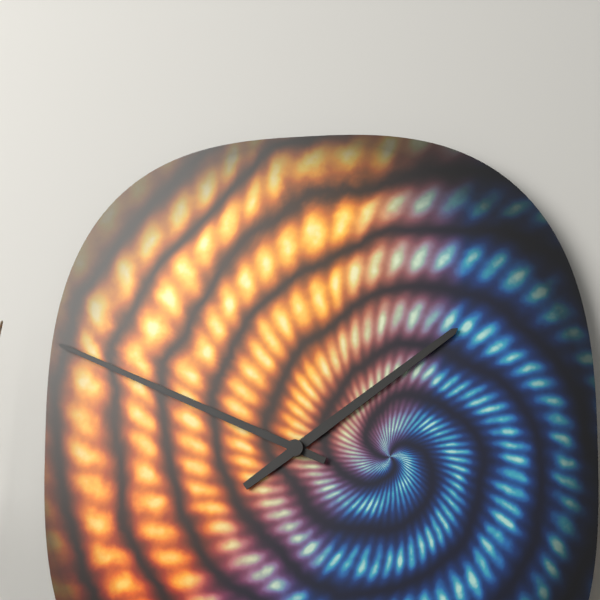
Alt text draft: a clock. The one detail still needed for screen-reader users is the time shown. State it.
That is 1:49
